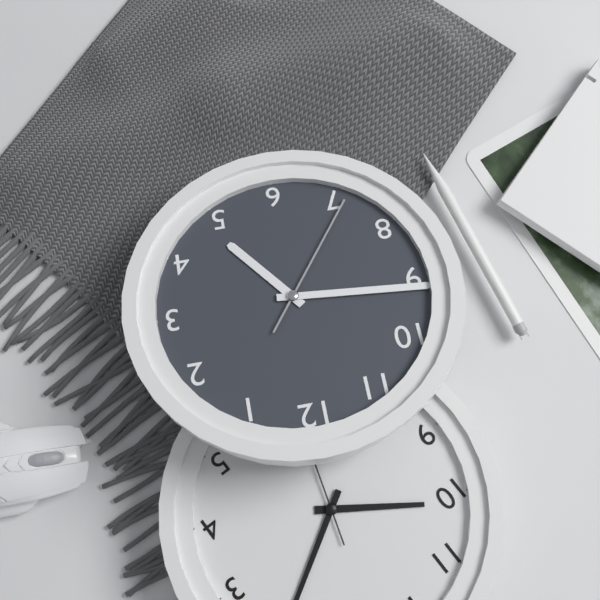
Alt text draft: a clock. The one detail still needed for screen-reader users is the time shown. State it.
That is 4:46:36
